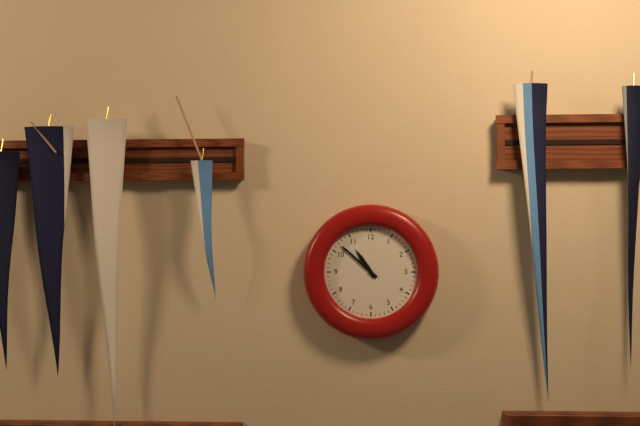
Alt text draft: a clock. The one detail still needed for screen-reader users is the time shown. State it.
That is 10:52
